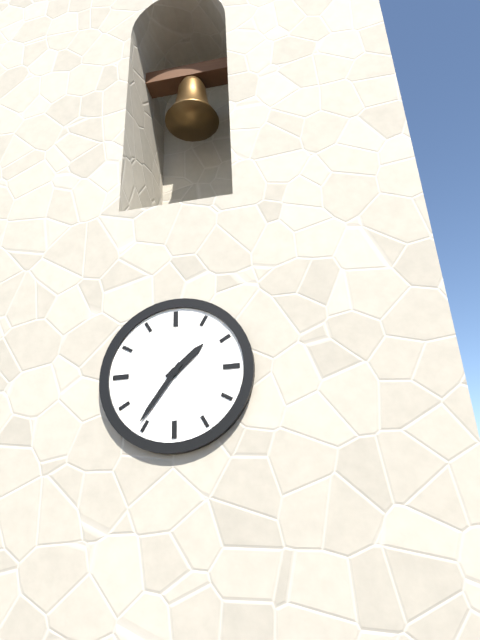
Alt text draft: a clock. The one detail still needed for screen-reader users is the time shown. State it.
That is 1:36
